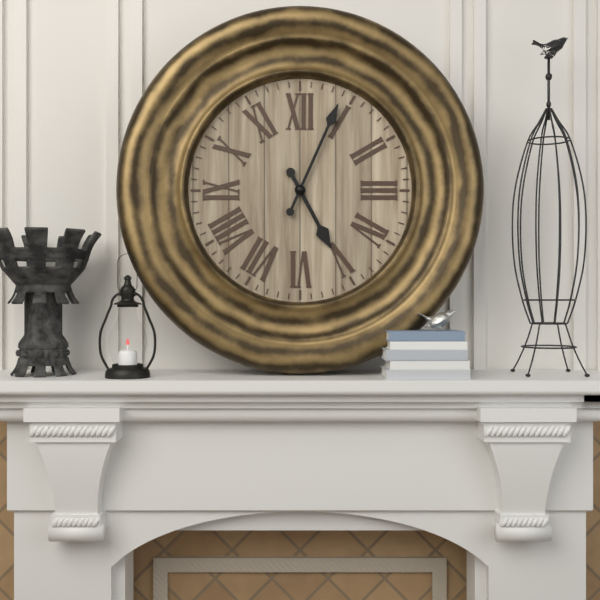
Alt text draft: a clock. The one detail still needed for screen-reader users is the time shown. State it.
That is 5:04
